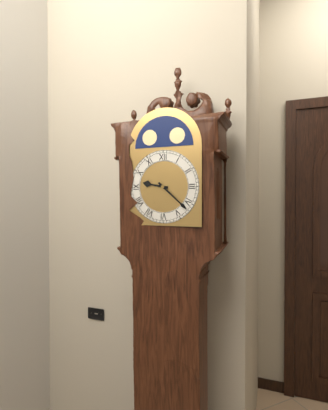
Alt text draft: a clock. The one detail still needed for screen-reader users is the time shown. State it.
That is 9:22
